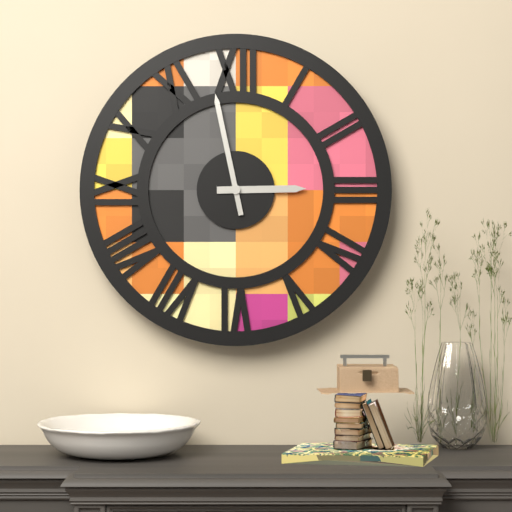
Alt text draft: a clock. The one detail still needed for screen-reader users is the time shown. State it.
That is 2:58
